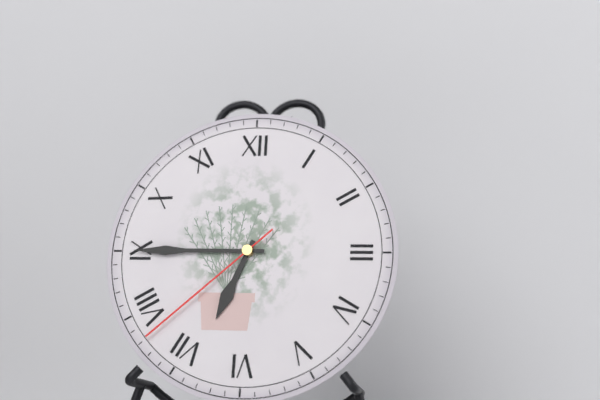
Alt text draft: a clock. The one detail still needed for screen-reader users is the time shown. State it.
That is 6:45:38
